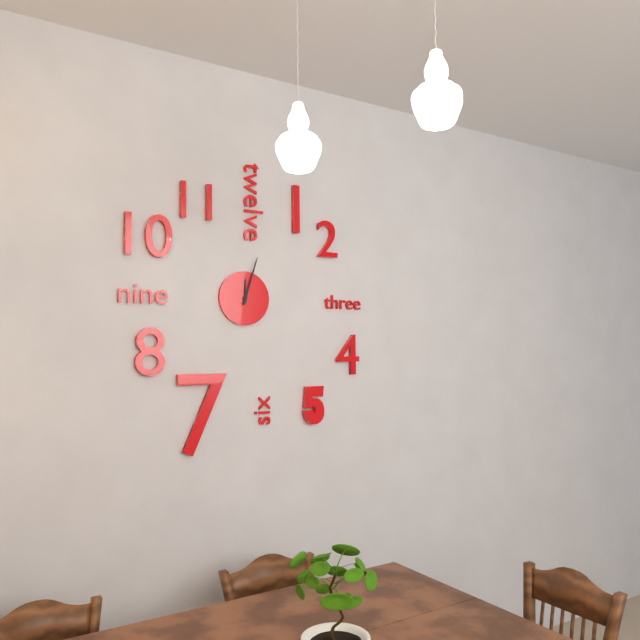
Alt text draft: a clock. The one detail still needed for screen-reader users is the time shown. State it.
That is 12:03
